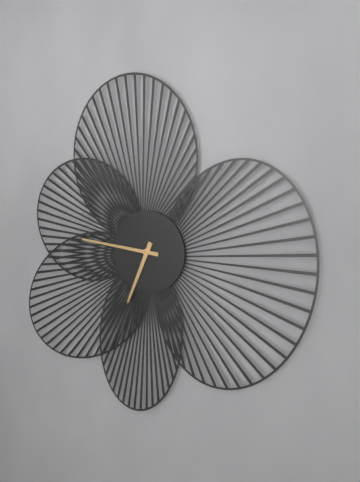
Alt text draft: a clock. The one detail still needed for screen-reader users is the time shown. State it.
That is 6:46
